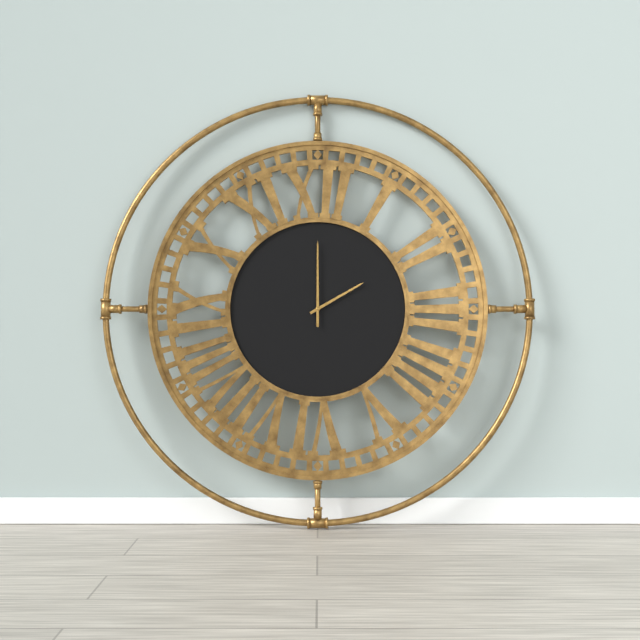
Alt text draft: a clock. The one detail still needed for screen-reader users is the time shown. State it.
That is 2:00
